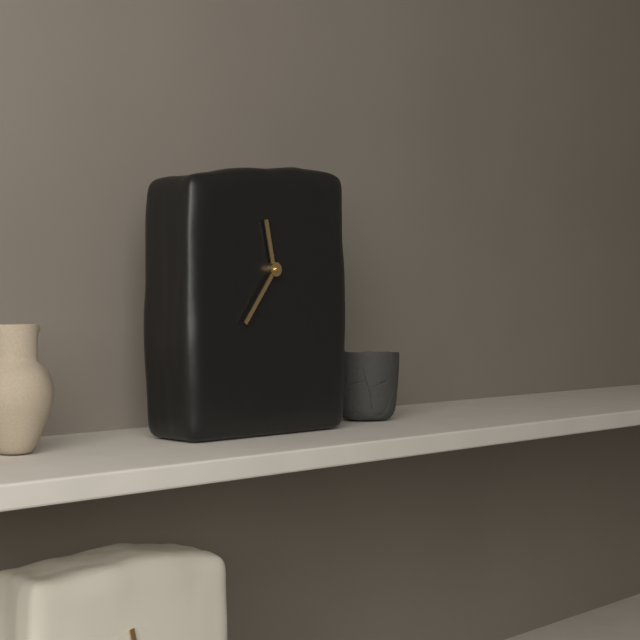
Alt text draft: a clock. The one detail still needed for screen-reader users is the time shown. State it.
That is 11:36
